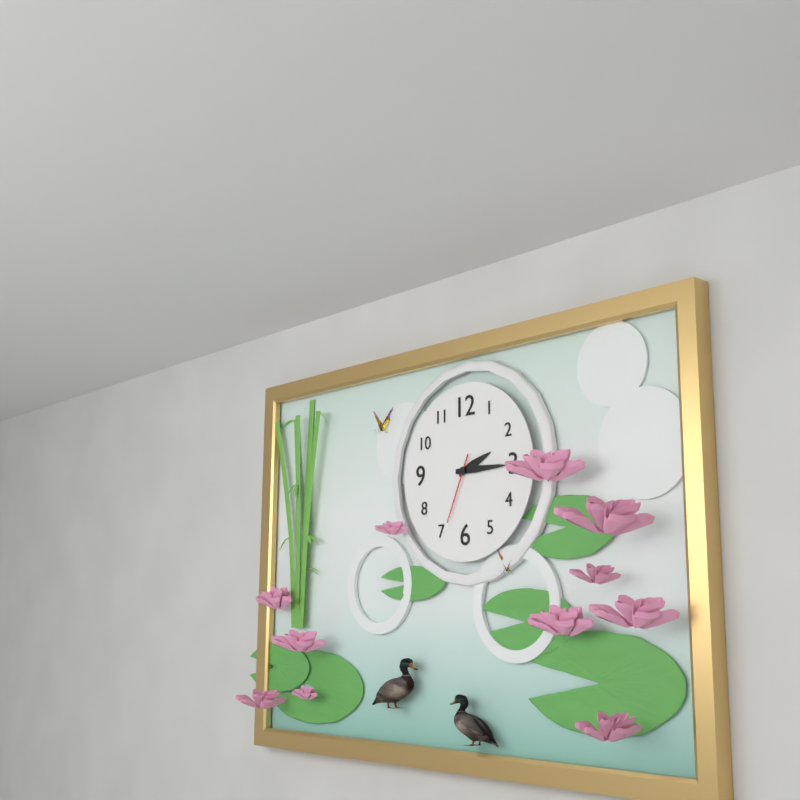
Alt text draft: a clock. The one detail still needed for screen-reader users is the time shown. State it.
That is 2:15:34
